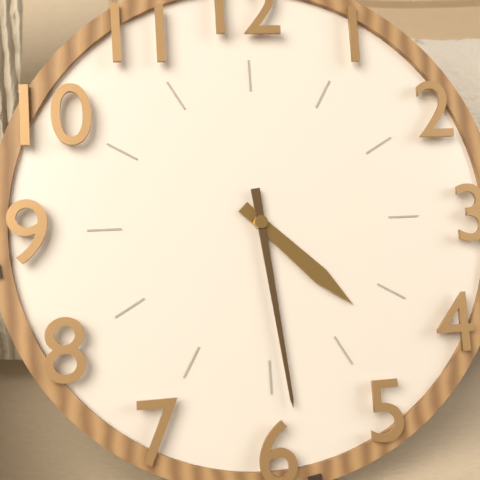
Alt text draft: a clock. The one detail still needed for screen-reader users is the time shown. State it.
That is 4:29
